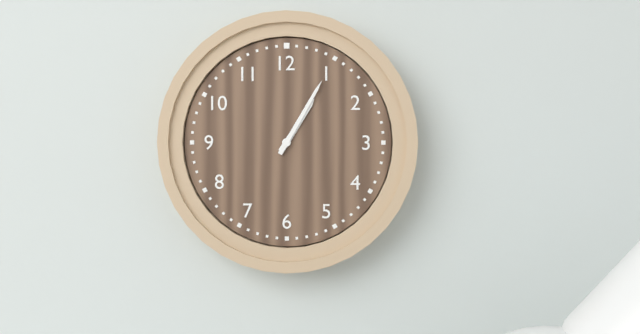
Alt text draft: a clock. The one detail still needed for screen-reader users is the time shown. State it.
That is 1:05
